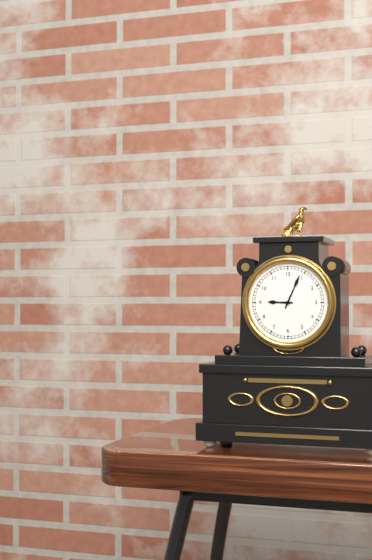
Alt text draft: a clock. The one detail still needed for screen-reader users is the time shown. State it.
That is 9:04
